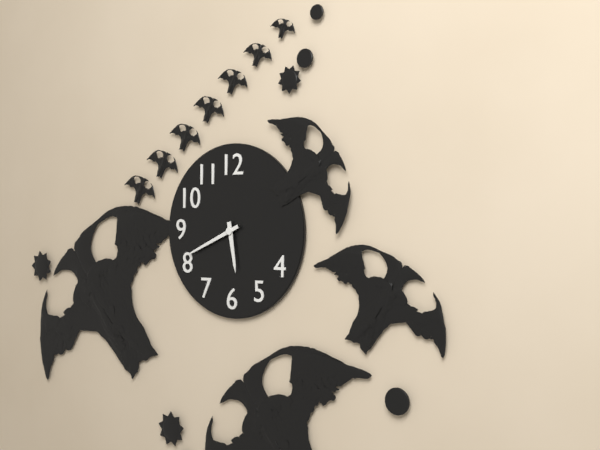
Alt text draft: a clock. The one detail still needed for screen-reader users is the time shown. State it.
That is 5:41
